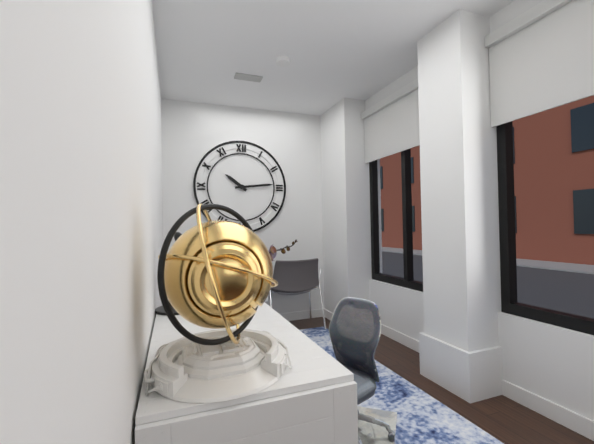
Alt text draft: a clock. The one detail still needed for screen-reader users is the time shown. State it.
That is 10:14
